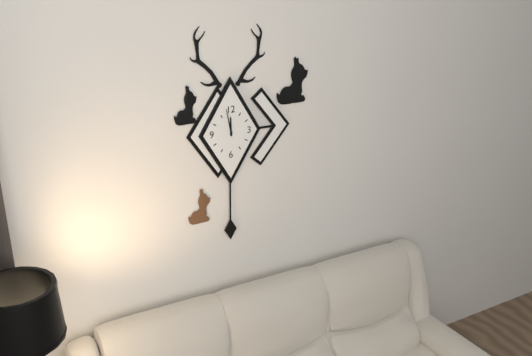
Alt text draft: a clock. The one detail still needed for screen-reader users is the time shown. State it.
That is 11:58
